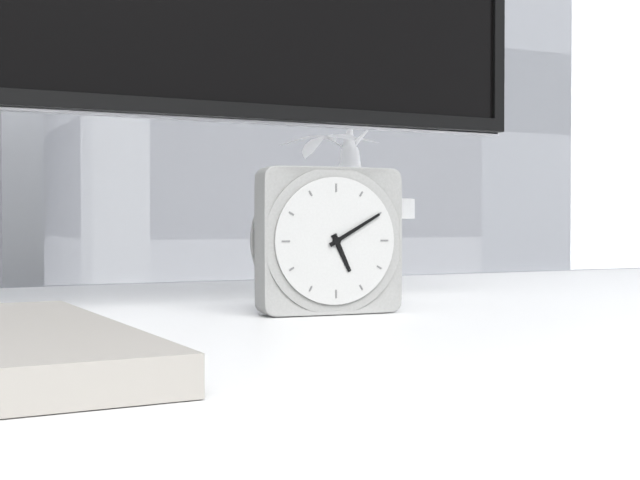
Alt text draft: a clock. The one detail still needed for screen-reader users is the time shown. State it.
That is 5:10
